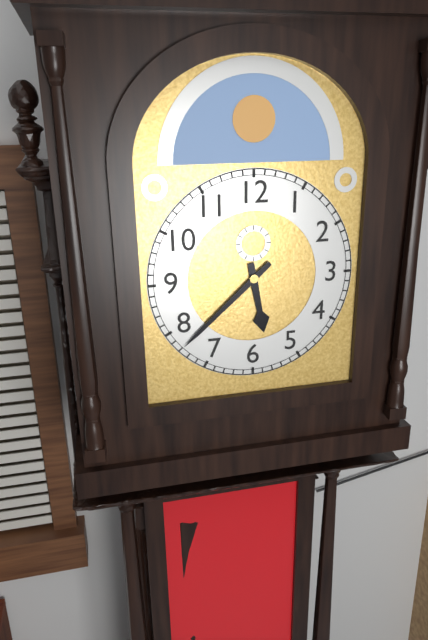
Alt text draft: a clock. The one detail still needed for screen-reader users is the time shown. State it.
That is 5:38
